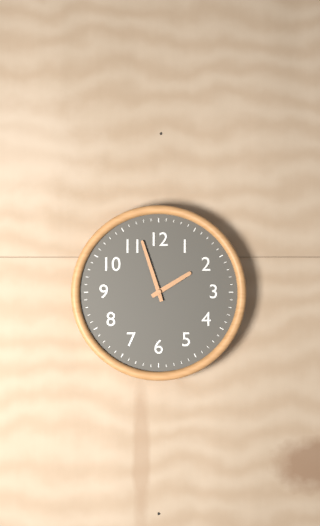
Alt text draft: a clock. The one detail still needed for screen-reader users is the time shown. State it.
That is 1:57
